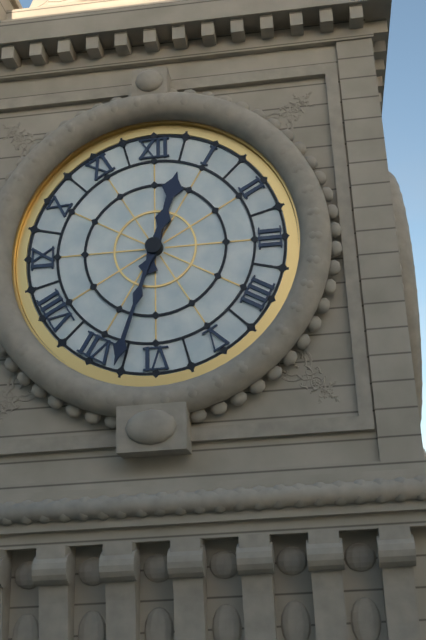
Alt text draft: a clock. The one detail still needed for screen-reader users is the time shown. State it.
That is 12:33
